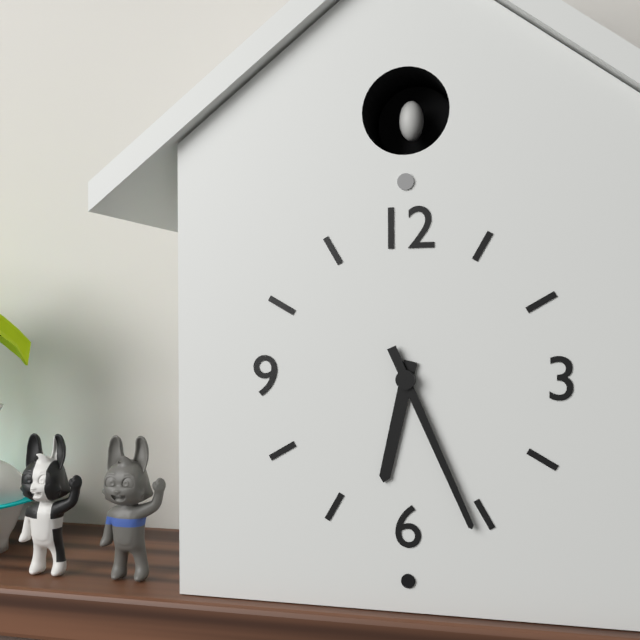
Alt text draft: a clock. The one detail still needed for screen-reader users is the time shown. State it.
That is 6:26
